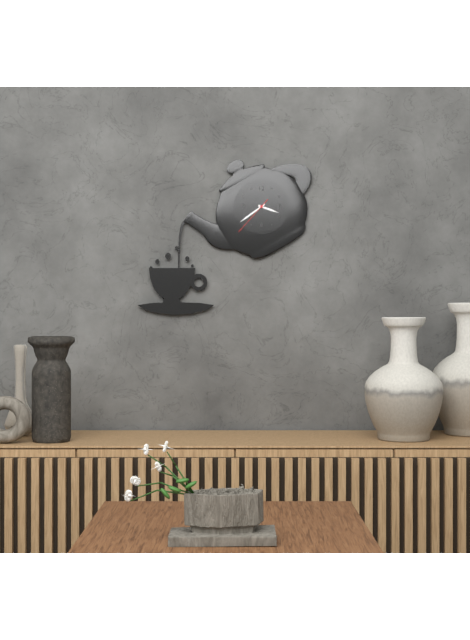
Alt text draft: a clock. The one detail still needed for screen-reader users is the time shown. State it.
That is 3:39
